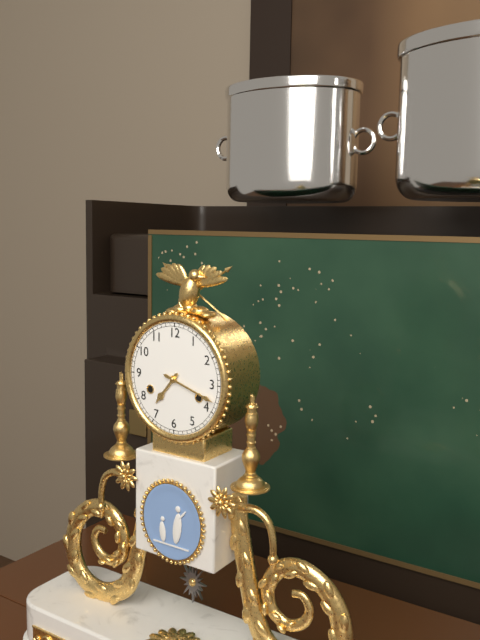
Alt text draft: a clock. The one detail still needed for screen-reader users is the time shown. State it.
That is 7:18
